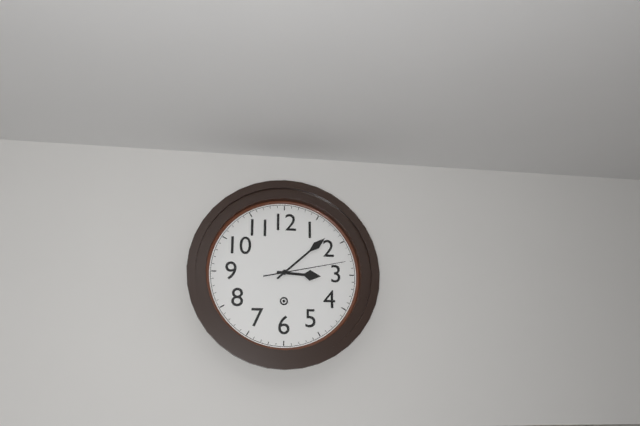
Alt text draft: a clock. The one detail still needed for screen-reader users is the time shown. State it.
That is 3:08:13
